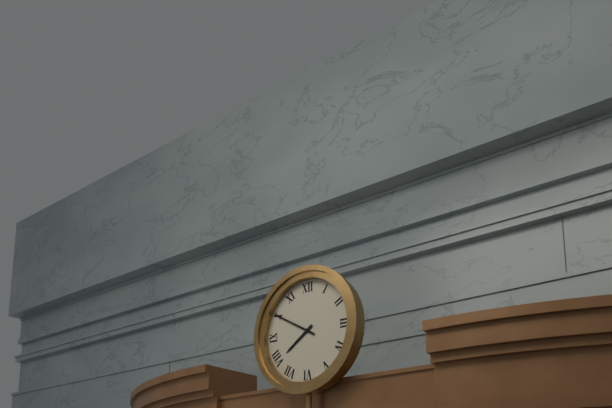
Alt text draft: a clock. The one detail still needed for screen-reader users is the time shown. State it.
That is 7:50
